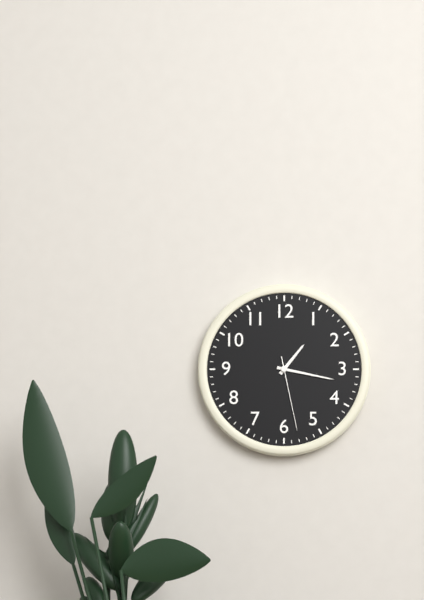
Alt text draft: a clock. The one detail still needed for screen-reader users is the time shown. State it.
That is 1:17:28
